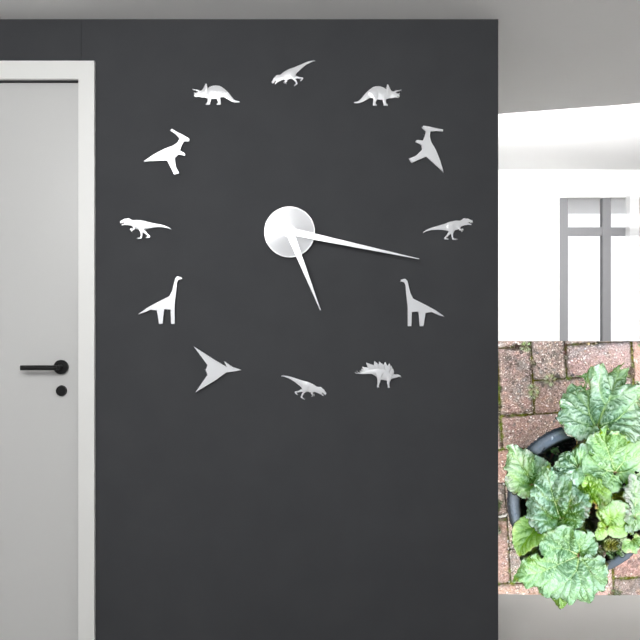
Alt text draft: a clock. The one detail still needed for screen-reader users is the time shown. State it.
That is 5:17
